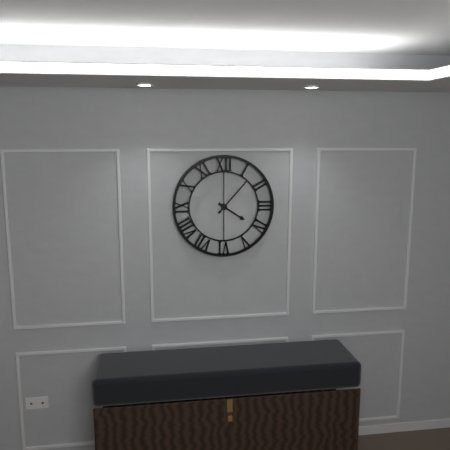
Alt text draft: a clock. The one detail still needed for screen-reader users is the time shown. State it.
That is 4:07
